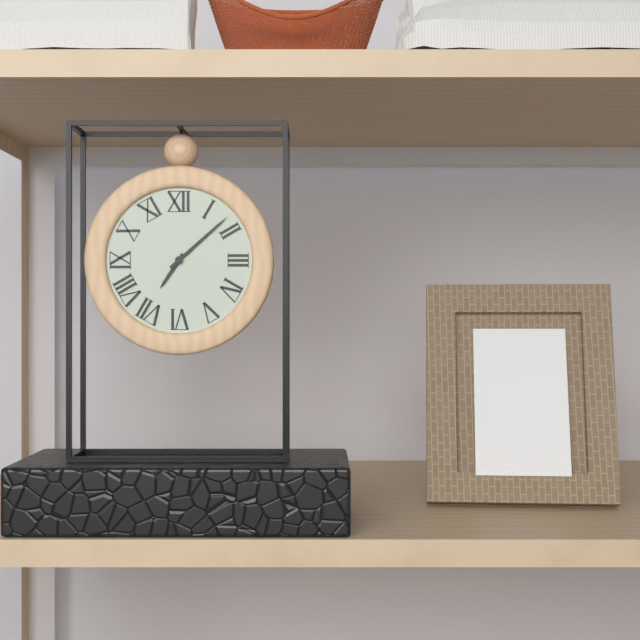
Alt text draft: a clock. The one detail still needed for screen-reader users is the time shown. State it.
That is 7:08
